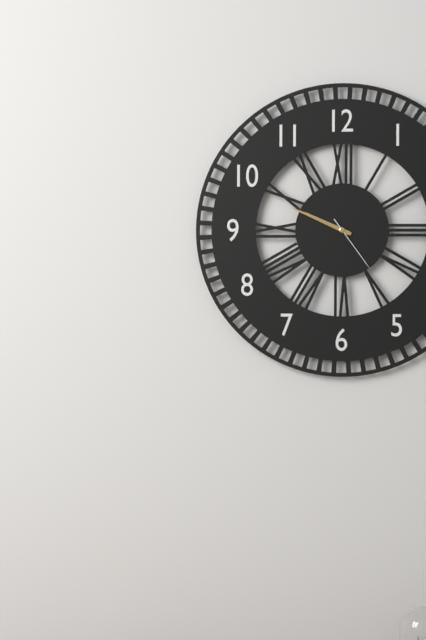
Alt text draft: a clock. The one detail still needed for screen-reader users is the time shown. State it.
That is 9:49:24
